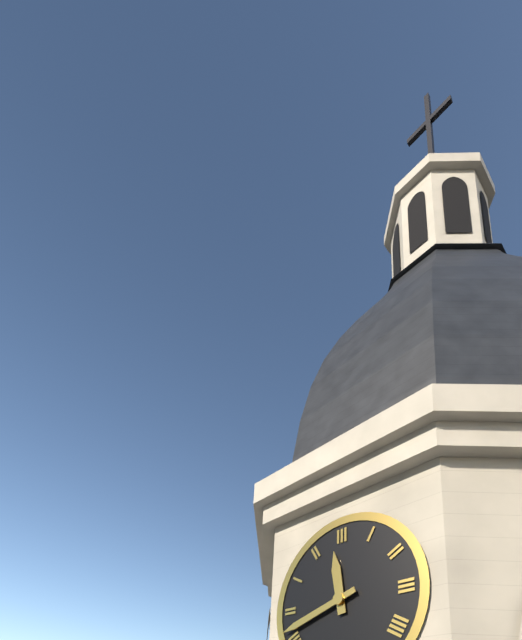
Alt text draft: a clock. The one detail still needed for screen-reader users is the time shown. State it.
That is 11:42
